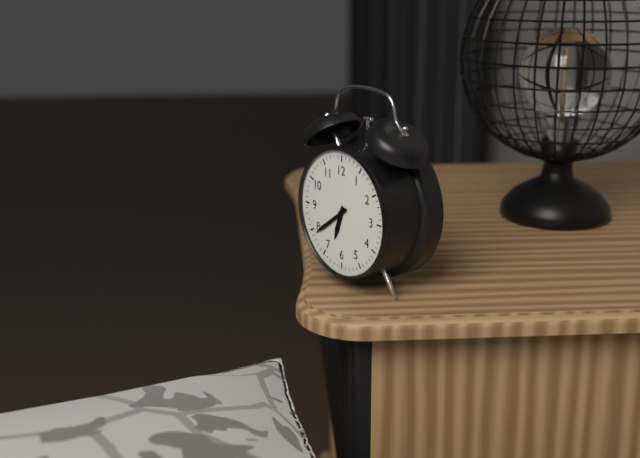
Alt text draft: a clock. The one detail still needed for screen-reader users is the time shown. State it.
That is 6:39
